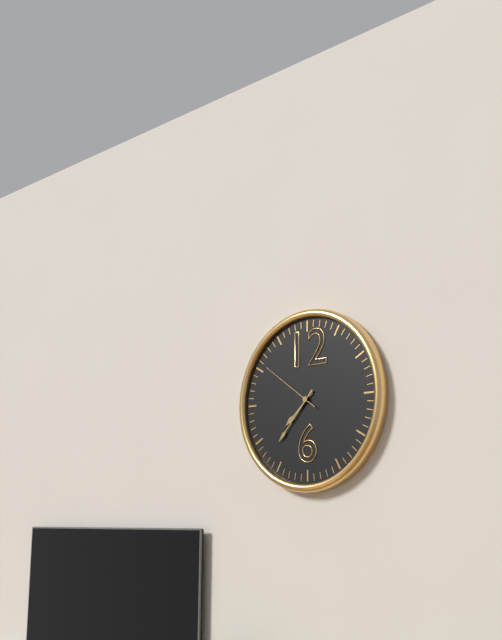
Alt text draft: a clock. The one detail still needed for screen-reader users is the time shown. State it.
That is 7:37:51
